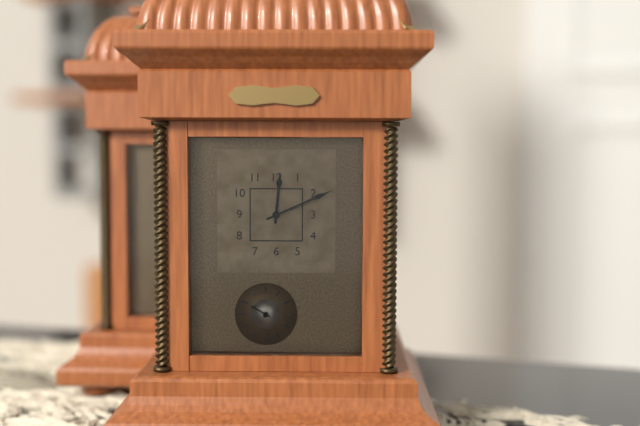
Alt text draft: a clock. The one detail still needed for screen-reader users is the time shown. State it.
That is 12:11
